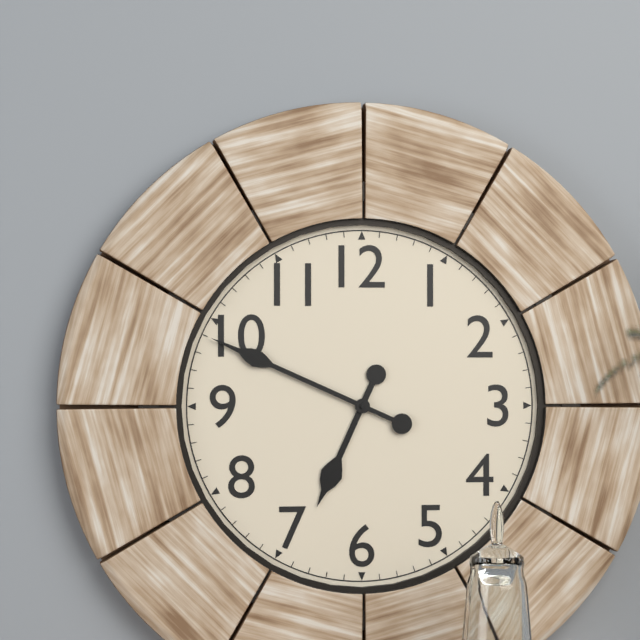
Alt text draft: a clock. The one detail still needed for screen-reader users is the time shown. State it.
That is 6:49
